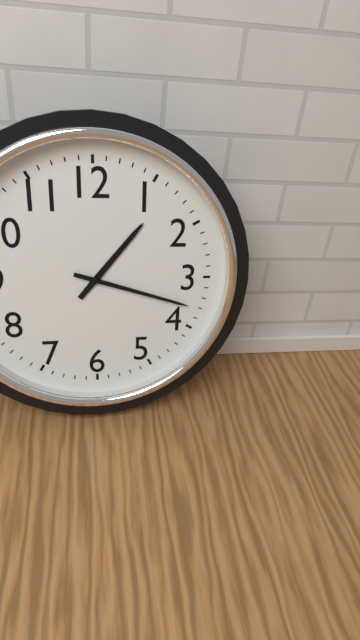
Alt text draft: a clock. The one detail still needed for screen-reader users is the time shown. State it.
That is 1:18
